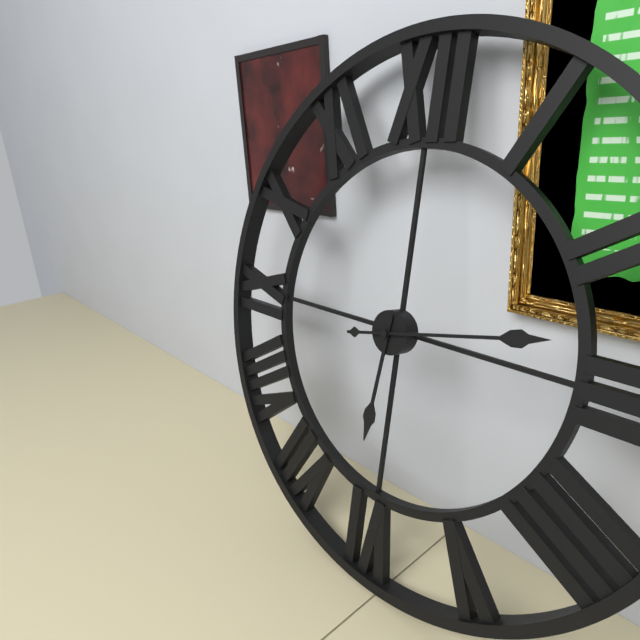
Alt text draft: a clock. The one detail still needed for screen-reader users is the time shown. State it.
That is 6:13
